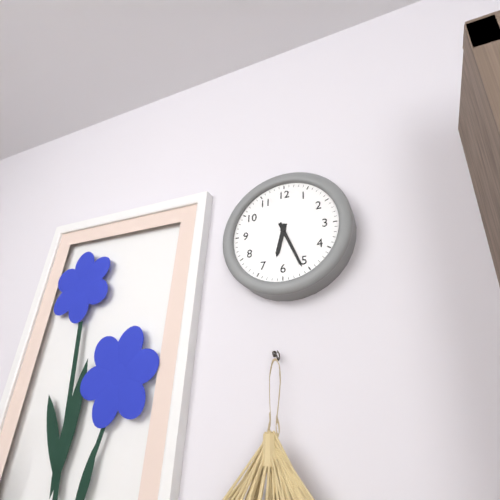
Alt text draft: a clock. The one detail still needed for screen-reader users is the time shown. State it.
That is 6:26
